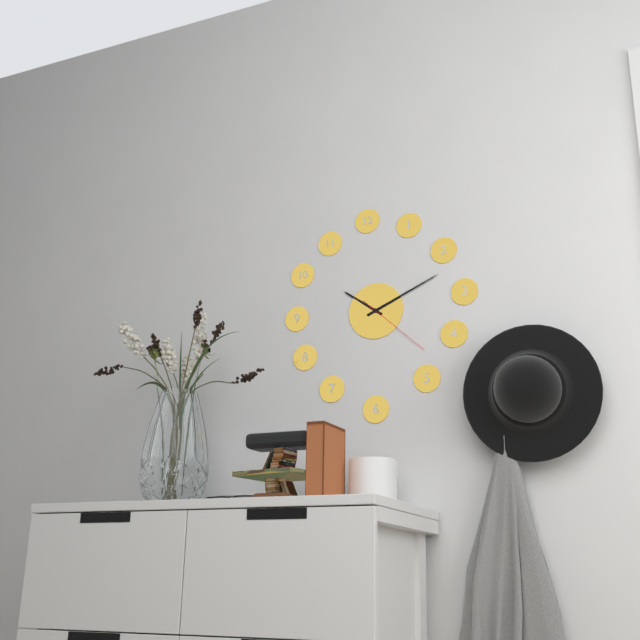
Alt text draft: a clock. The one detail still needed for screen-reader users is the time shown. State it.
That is 10:11:22
